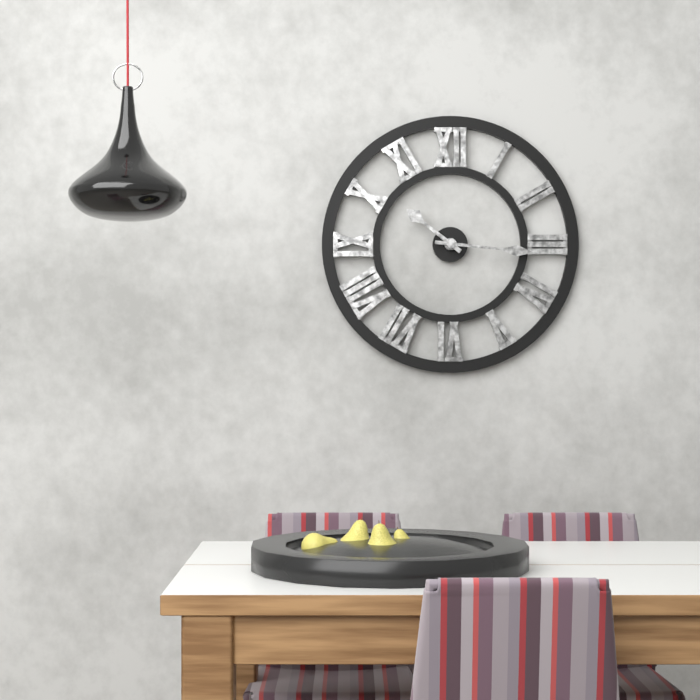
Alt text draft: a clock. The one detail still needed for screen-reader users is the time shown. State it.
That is 10:16
